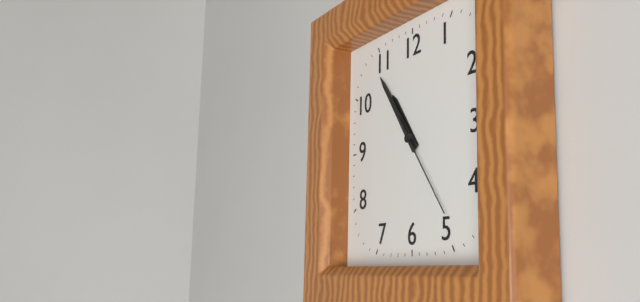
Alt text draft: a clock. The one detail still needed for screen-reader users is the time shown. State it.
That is 10:54:24
